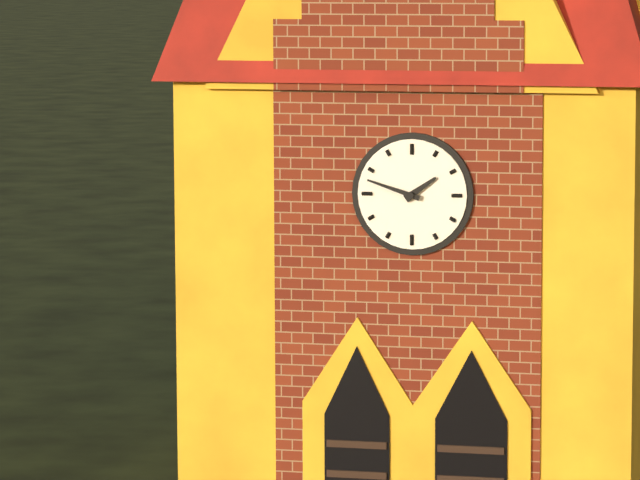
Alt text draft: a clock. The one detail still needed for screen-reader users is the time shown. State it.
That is 1:48
